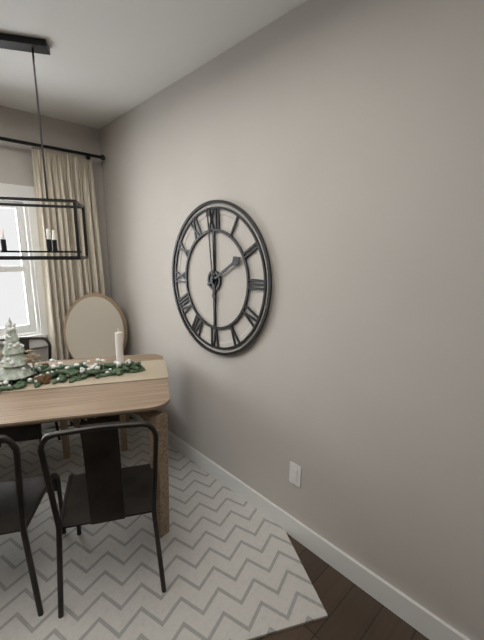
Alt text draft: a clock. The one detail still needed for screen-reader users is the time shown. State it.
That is 1:59
